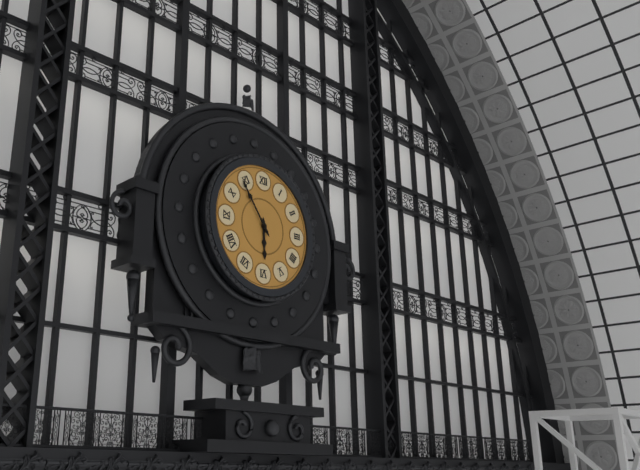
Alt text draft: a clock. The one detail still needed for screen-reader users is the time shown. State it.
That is 5:54
